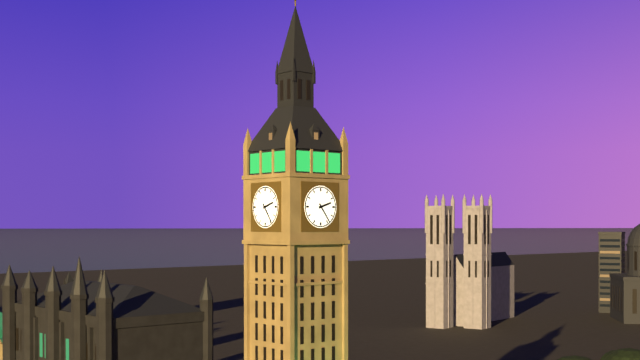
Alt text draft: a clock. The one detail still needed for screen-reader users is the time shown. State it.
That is 2:24
